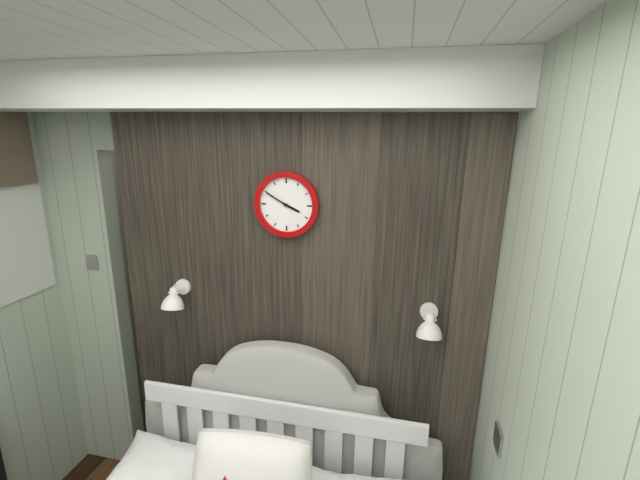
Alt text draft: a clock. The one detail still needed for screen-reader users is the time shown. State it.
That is 3:50
